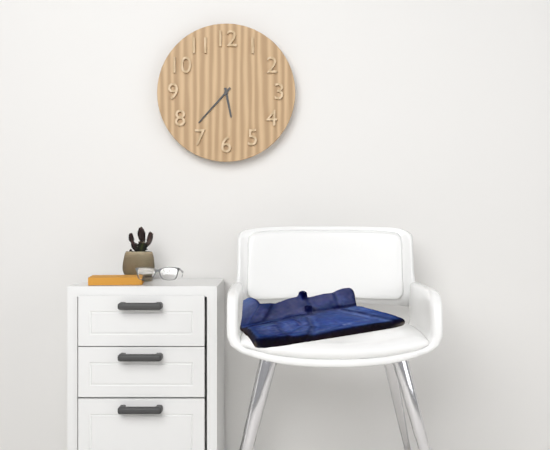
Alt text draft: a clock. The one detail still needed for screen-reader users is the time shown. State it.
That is 5:37
